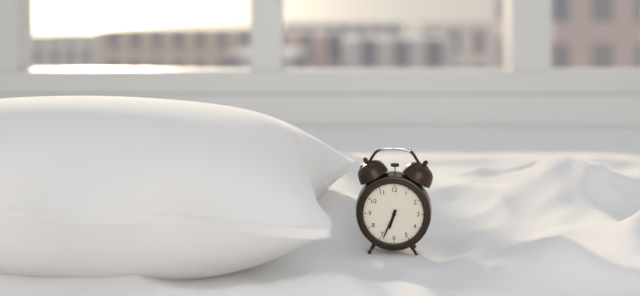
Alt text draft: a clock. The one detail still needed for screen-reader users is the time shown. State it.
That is 6:34
